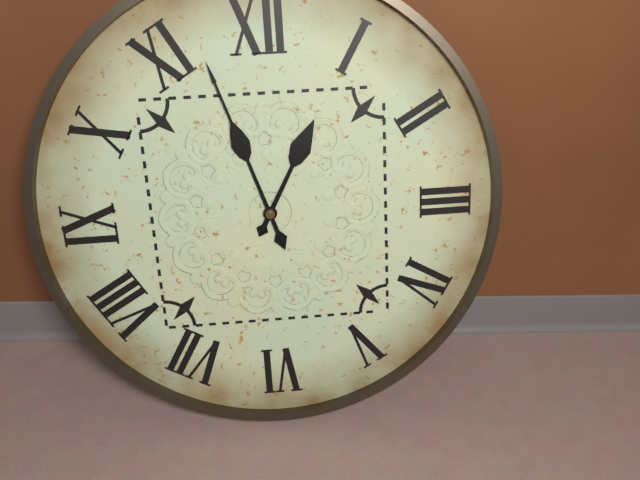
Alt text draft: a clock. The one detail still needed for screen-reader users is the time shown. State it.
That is 12:57
